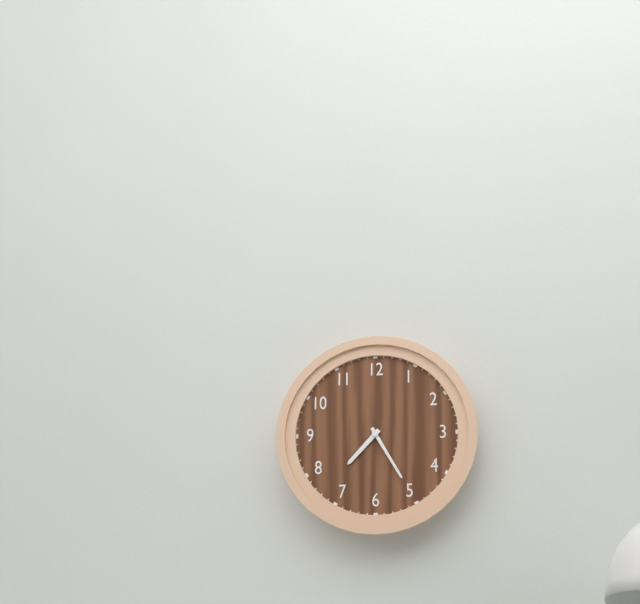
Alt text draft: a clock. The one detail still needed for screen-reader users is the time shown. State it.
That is 7:25
